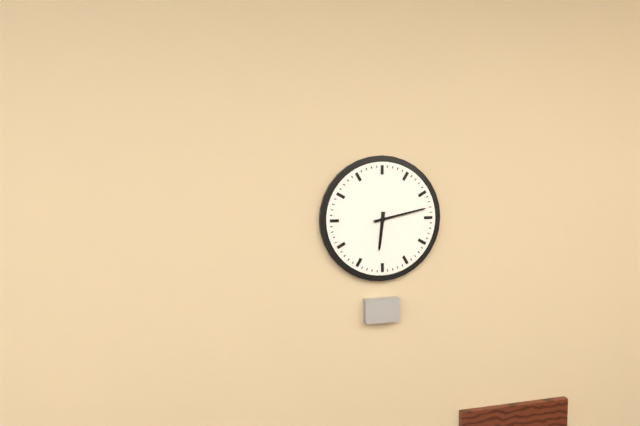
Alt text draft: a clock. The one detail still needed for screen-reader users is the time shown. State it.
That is 6:13
